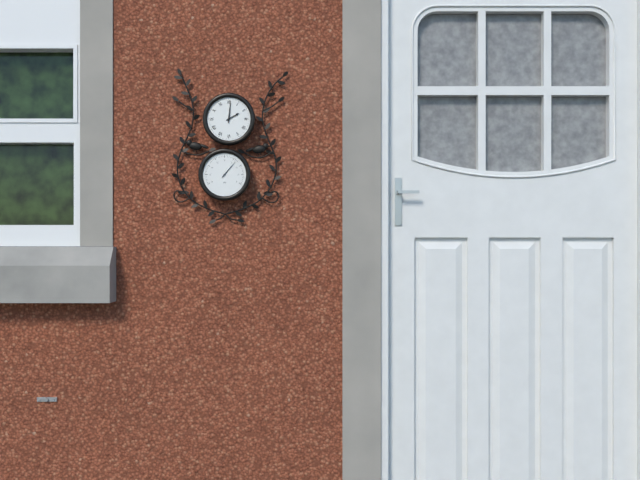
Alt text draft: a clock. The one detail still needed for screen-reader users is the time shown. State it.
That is 2:01
